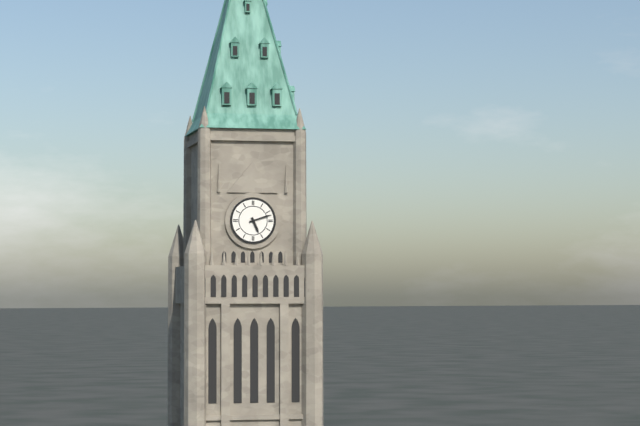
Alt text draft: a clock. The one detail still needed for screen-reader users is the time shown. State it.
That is 5:12
